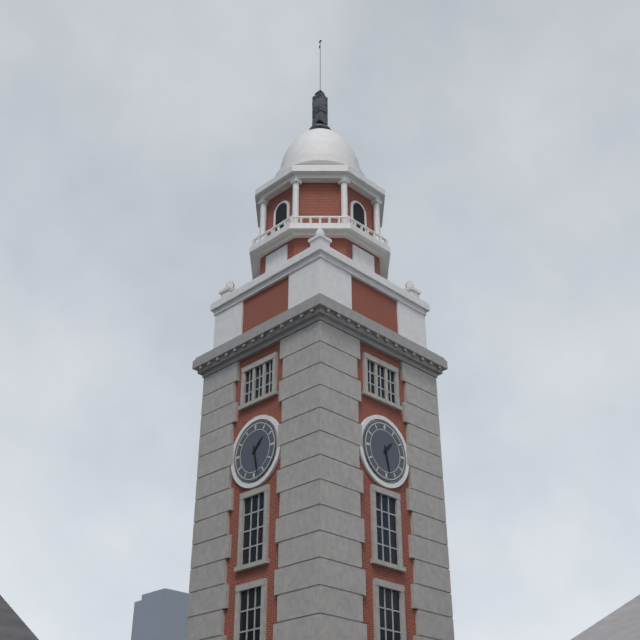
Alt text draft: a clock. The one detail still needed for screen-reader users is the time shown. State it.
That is 1:28
